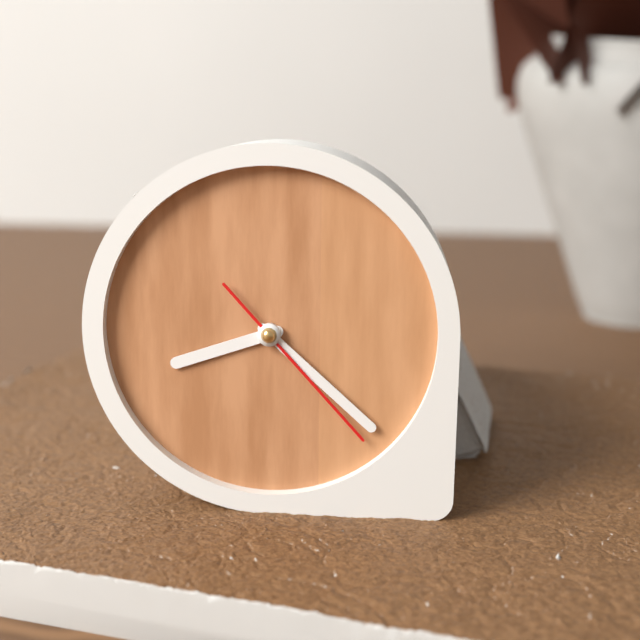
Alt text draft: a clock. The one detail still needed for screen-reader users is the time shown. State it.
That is 8:22:23
